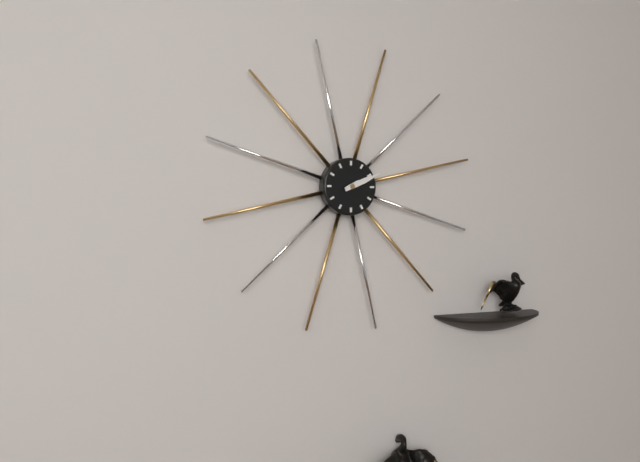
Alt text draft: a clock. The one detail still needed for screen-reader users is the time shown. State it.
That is 2:11
